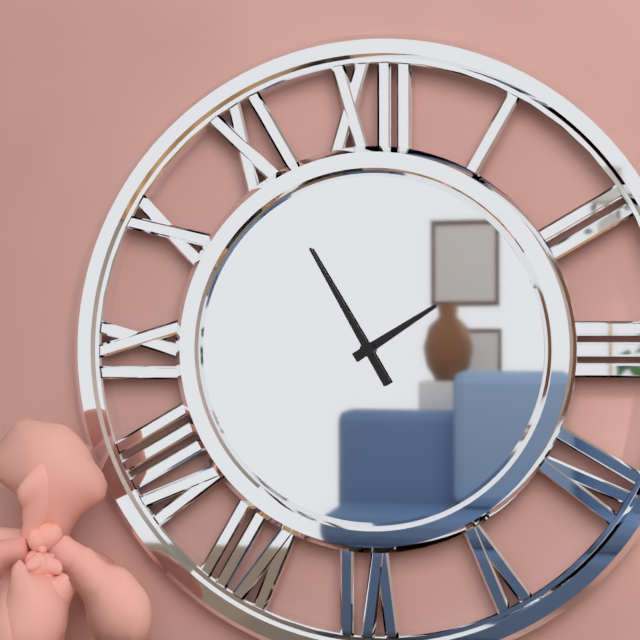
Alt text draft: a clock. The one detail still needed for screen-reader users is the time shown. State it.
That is 1:55
